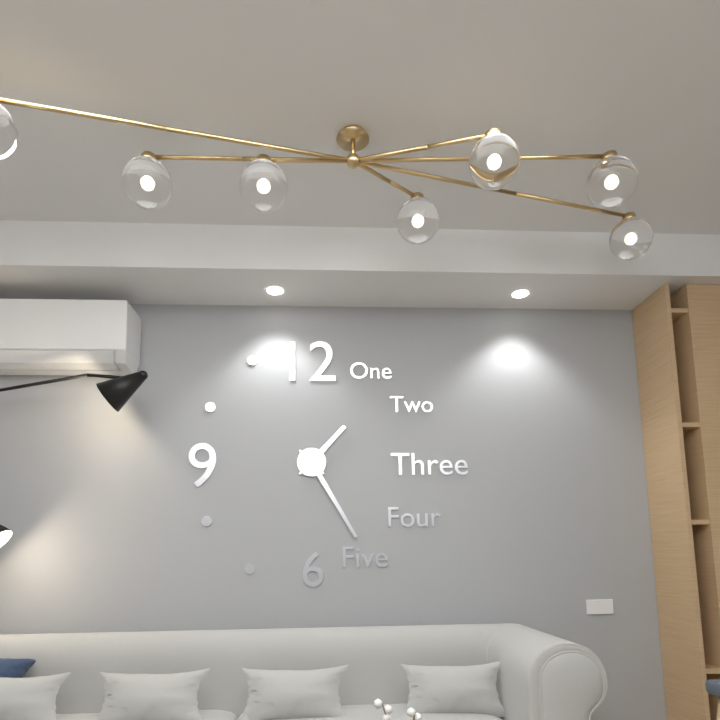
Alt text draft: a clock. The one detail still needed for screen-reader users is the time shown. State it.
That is 1:25
